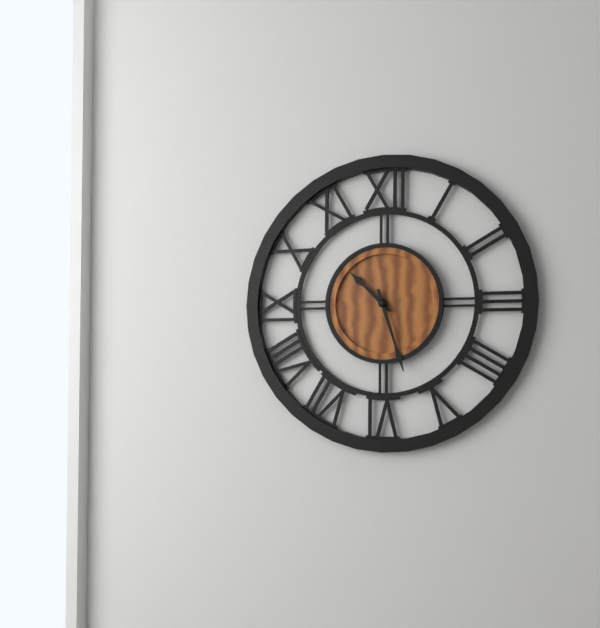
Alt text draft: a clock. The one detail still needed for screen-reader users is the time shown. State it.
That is 10:27
